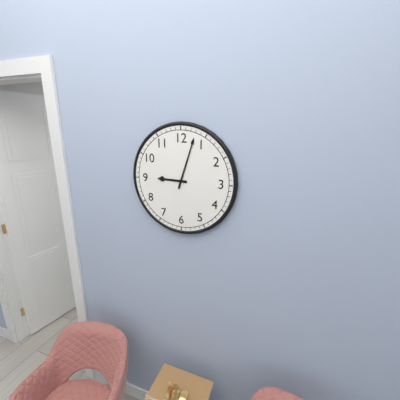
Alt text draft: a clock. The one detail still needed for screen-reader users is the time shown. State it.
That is 9:03
